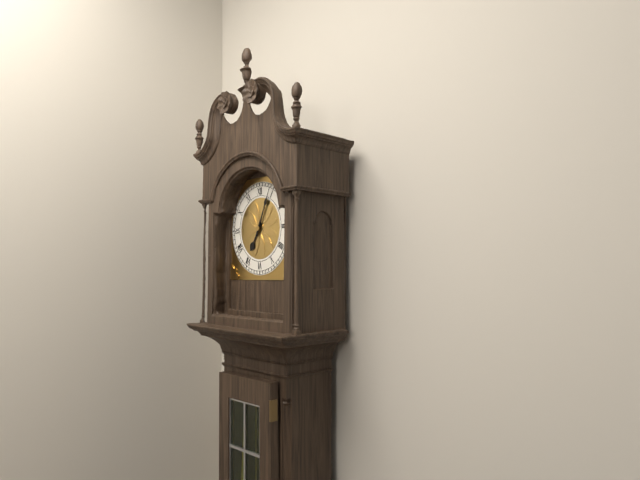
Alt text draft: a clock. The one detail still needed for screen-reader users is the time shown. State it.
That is 7:04
